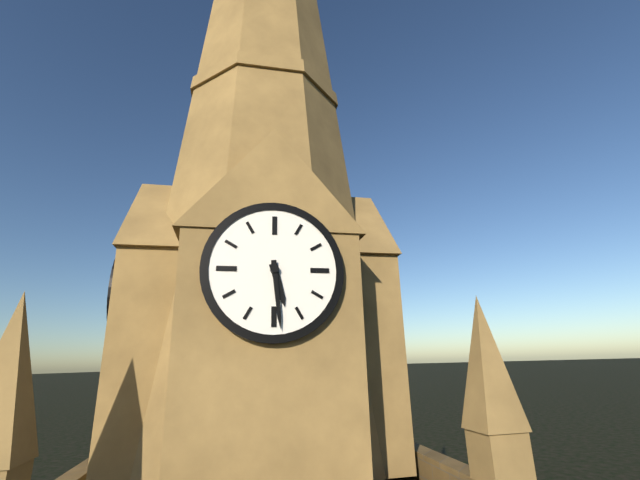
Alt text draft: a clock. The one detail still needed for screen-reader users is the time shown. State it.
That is 5:29
